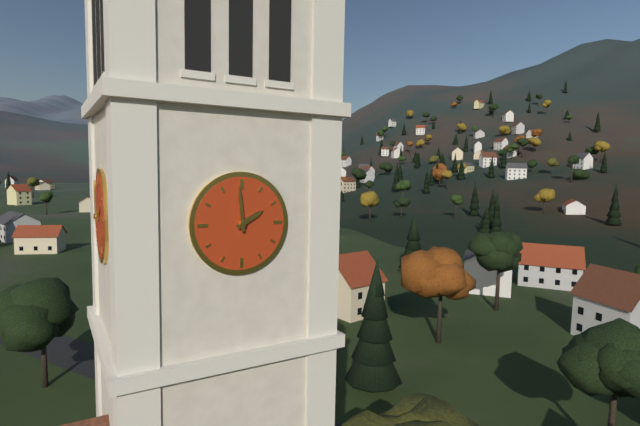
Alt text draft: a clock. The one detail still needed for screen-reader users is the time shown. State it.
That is 1:59
